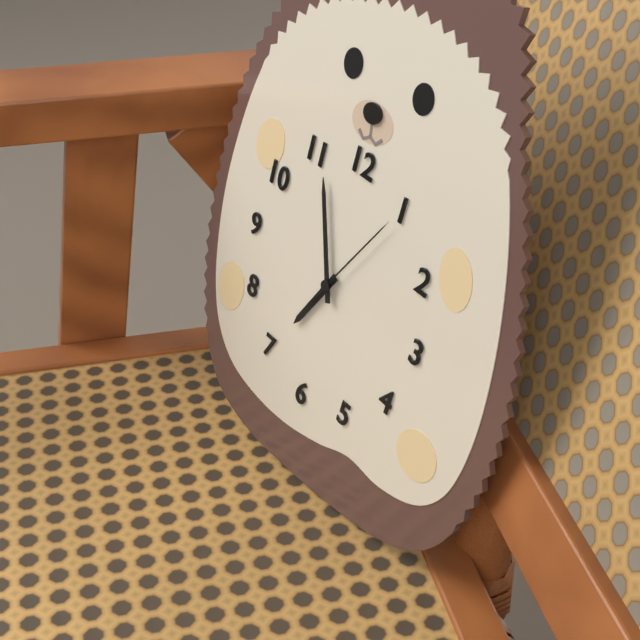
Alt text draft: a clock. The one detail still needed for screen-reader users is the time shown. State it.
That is 6:56:05
